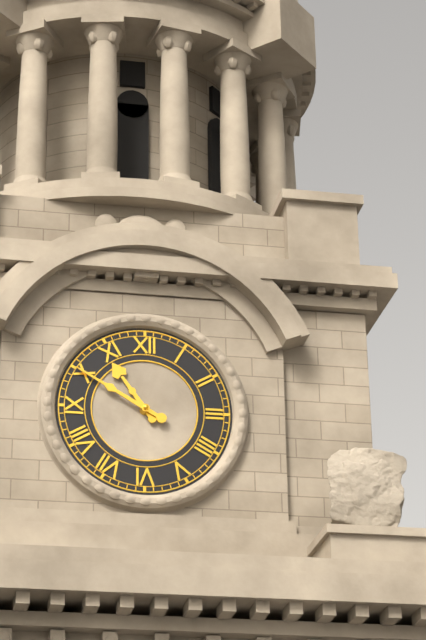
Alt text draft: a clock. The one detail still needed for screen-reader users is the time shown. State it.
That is 10:50
